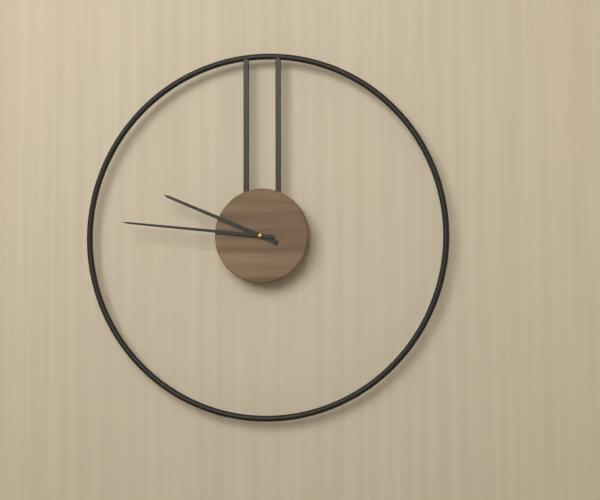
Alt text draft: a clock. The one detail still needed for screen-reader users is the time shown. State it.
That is 9:46
